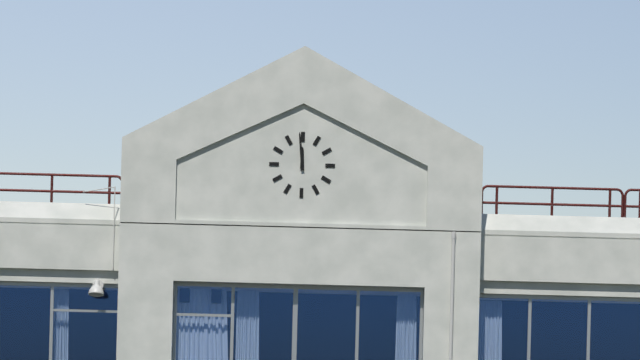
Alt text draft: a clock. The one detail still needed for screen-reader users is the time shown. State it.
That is 11:59
